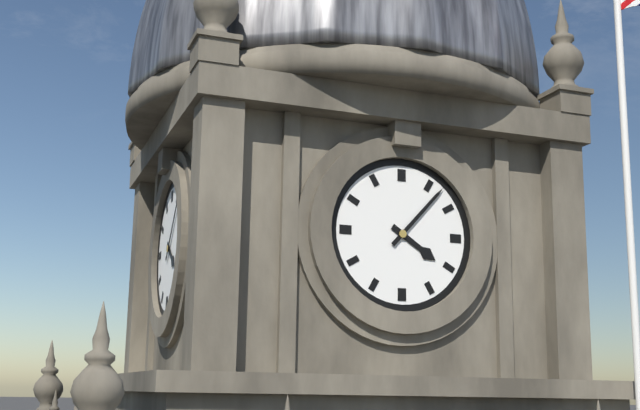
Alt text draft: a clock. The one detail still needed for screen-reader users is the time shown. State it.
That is 4:07
